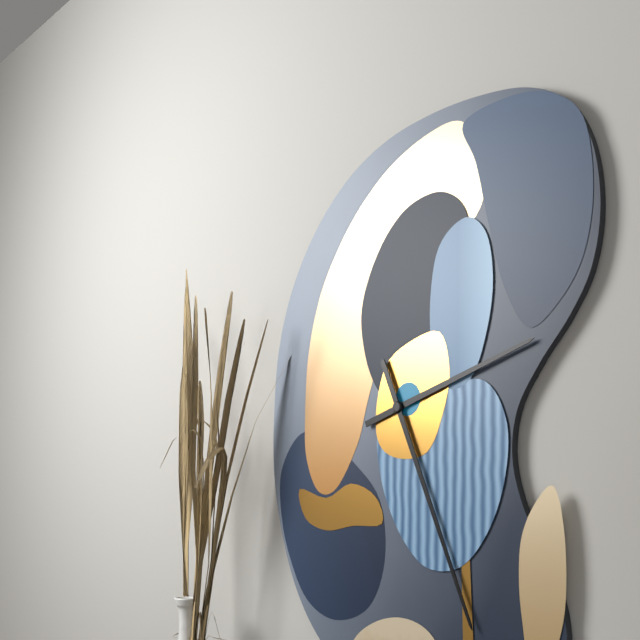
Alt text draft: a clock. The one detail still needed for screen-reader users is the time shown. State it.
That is 2:26
